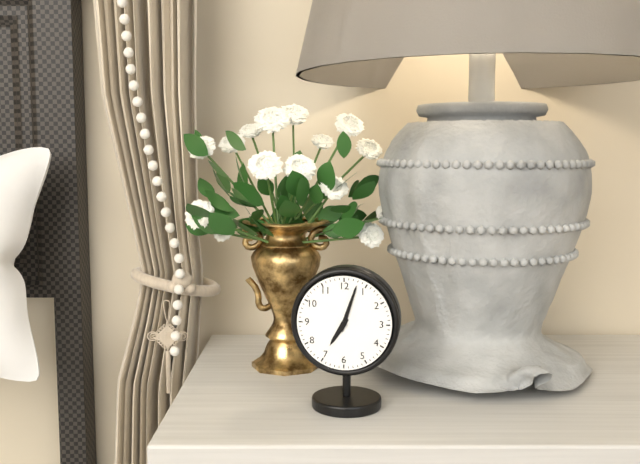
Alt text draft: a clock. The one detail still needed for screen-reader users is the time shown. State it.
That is 7:03
